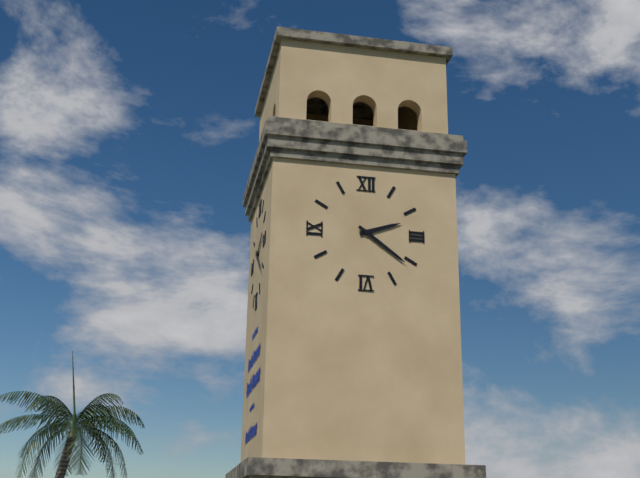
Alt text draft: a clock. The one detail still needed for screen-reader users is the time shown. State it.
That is 2:21
